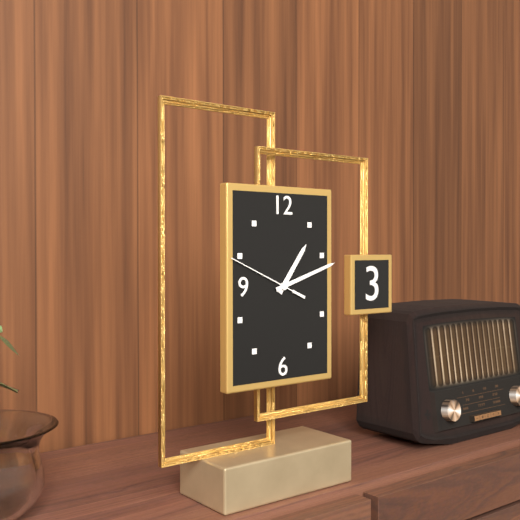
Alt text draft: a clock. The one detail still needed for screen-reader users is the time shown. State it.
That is 1:12:49
